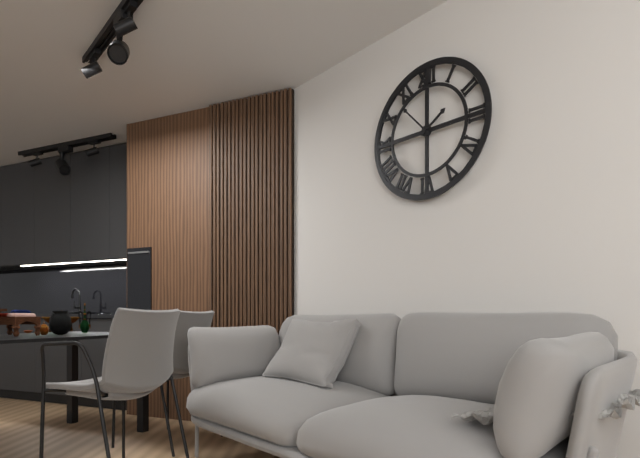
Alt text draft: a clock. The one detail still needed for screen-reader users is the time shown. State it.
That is 1:53
